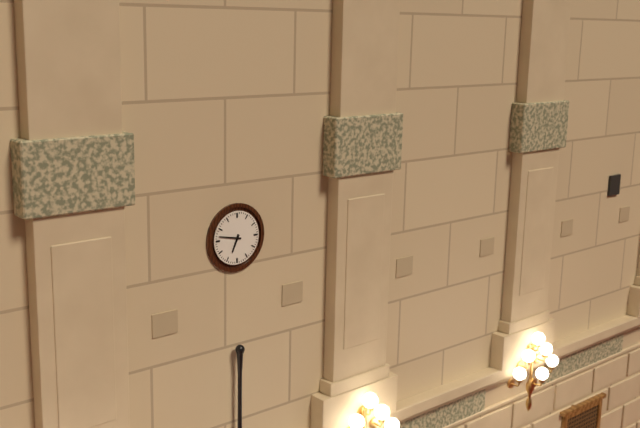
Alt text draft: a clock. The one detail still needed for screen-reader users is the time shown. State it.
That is 6:47
